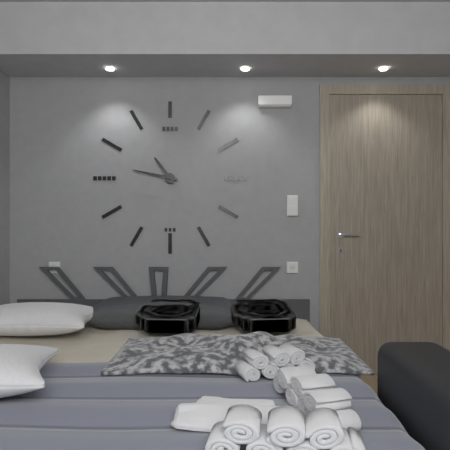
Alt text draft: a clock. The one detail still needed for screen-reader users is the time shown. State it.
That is 10:47
